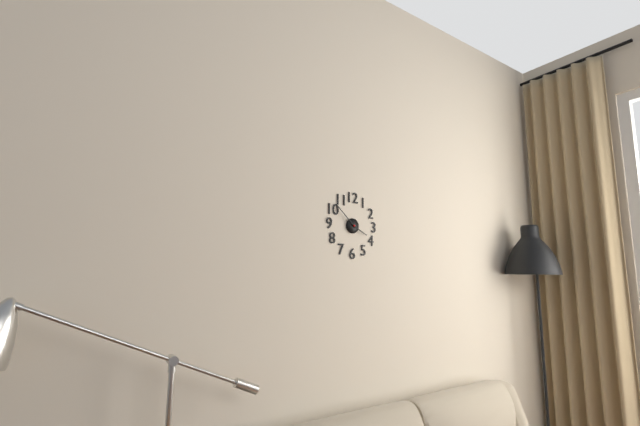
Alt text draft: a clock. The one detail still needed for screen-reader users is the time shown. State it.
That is 3:52
